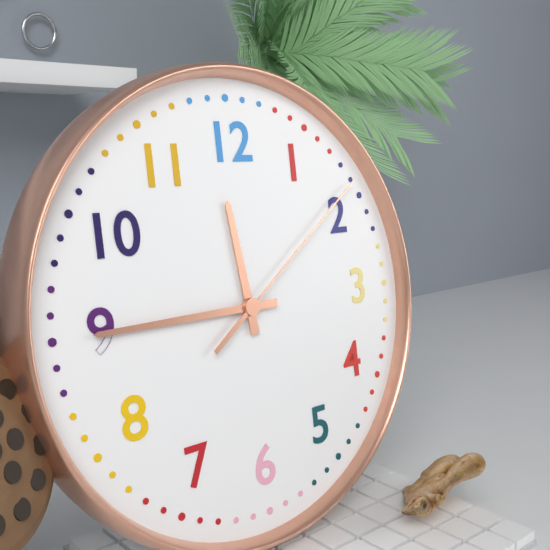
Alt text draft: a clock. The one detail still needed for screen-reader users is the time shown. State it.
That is 11:45:09
